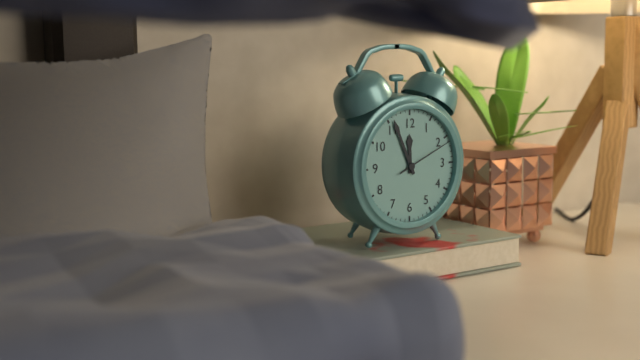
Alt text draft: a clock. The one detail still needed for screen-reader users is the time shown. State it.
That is 11:56:11
